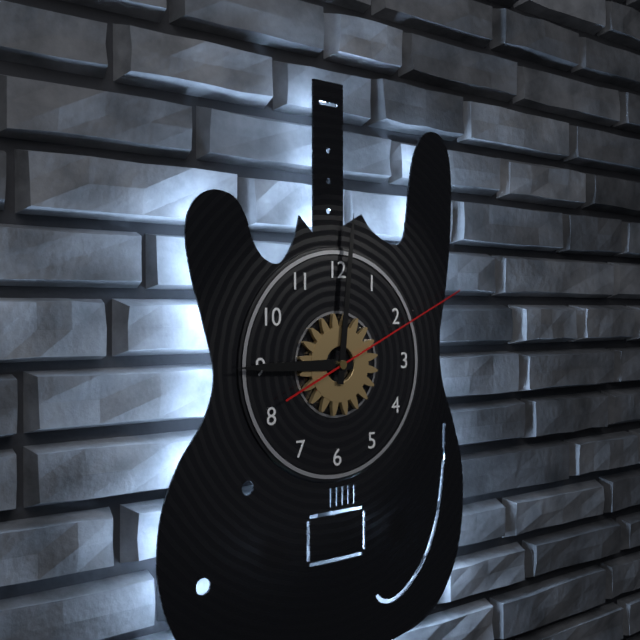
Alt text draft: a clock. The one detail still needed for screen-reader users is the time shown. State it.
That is 9:01:11
